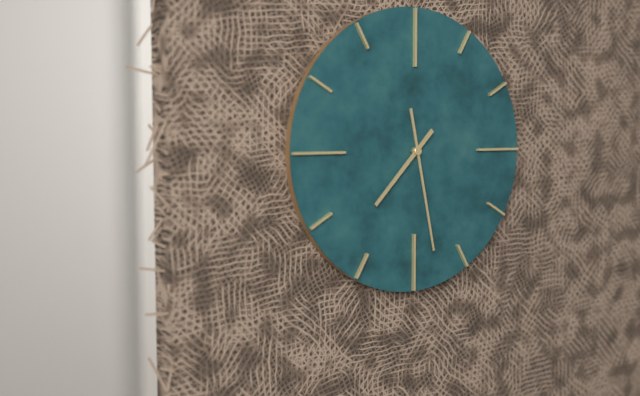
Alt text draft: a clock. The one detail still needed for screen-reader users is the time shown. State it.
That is 7:28
